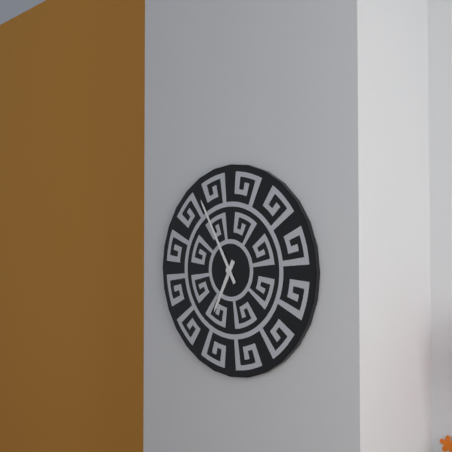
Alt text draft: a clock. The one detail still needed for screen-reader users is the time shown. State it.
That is 6:55
